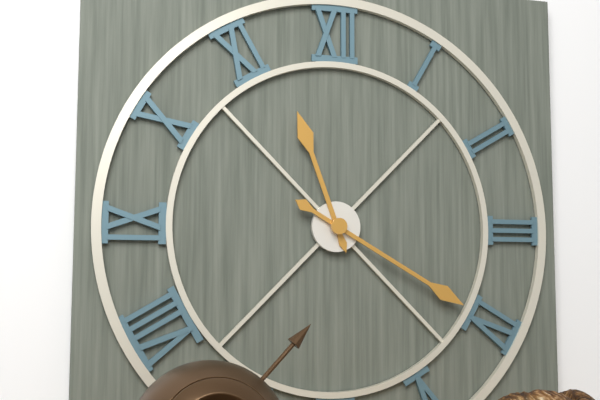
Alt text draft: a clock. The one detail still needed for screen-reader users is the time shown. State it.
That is 11:20
